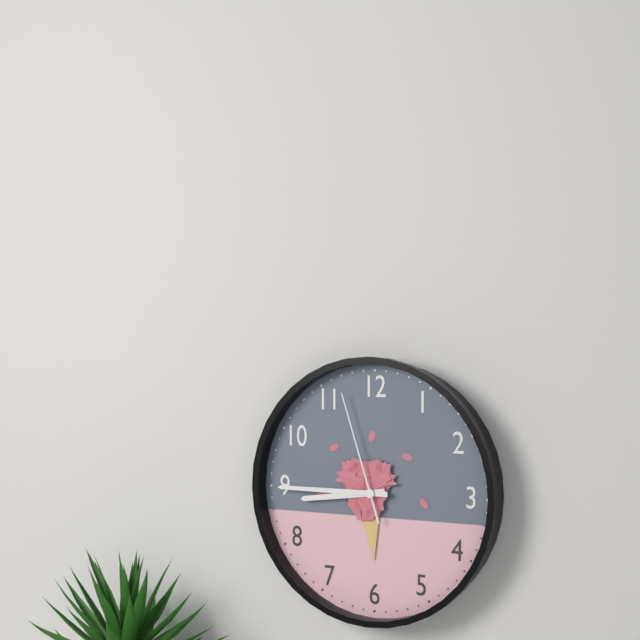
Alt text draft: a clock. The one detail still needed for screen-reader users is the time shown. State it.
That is 8:45:57
